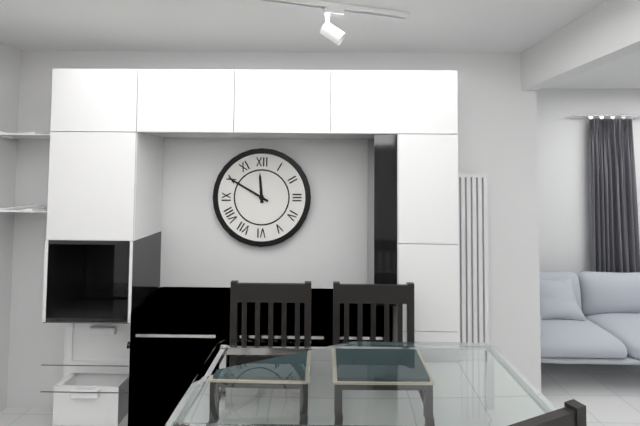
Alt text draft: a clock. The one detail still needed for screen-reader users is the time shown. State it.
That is 11:50
